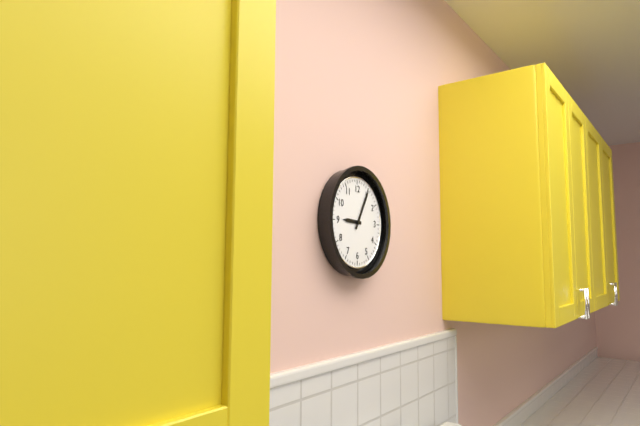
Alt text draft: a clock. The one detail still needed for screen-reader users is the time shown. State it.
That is 9:05
